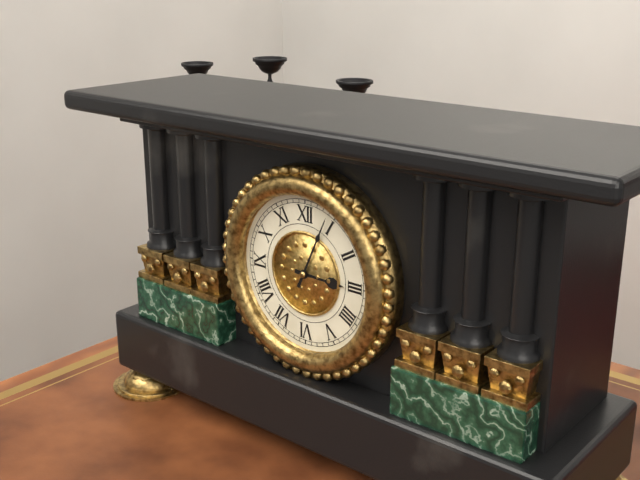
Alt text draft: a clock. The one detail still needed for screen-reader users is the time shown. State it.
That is 3:04
